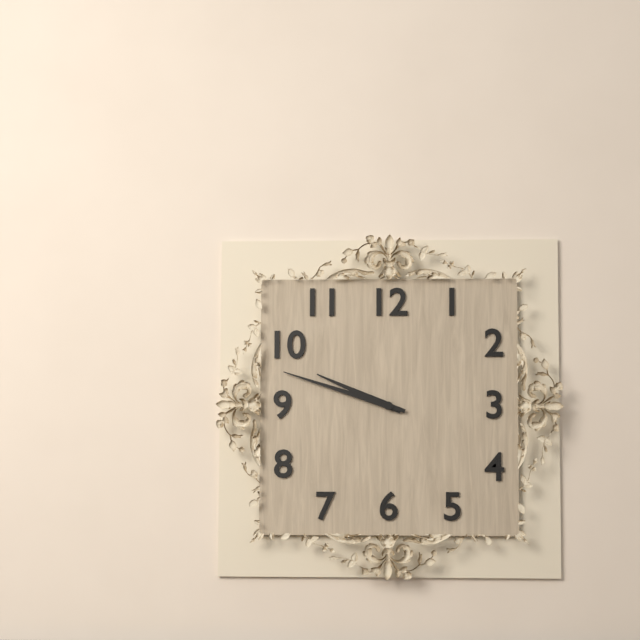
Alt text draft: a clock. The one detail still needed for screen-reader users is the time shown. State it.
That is 9:48
